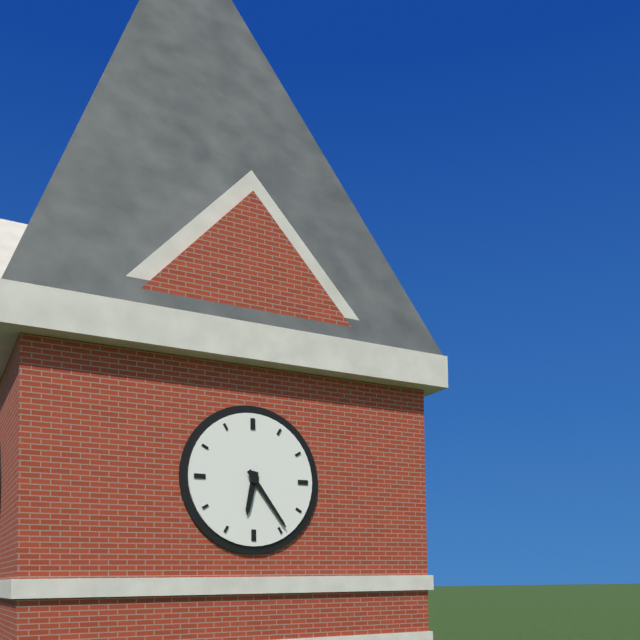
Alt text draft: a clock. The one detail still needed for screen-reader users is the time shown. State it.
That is 6:24
